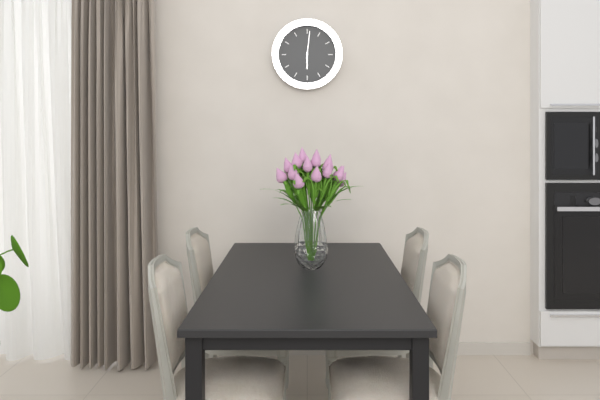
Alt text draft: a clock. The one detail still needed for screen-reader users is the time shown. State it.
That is 6:01
